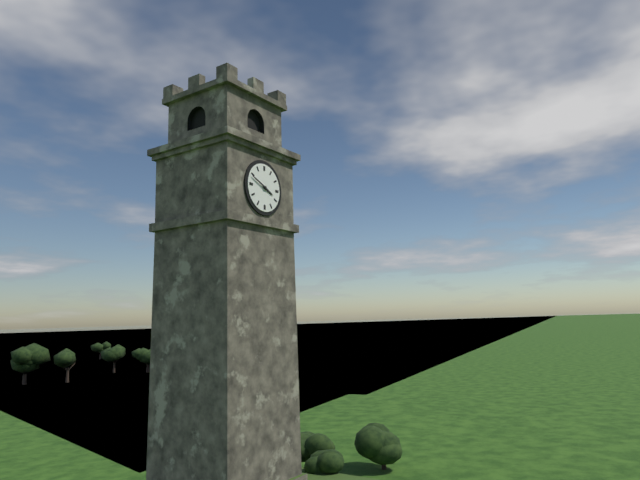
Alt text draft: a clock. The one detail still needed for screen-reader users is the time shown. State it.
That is 3:49
